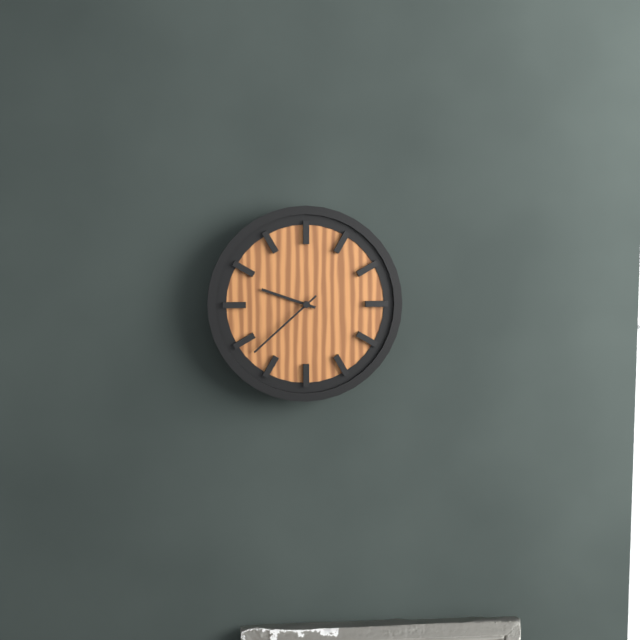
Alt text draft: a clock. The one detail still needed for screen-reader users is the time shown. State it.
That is 9:38
